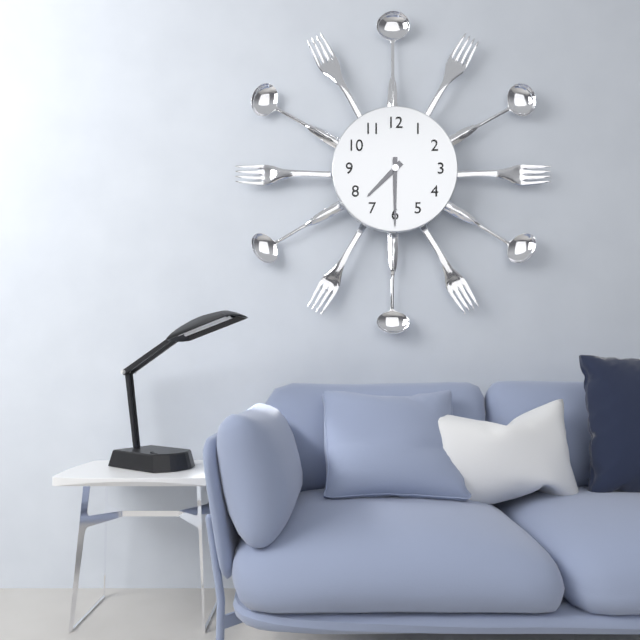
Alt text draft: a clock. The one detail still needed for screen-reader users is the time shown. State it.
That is 7:30
